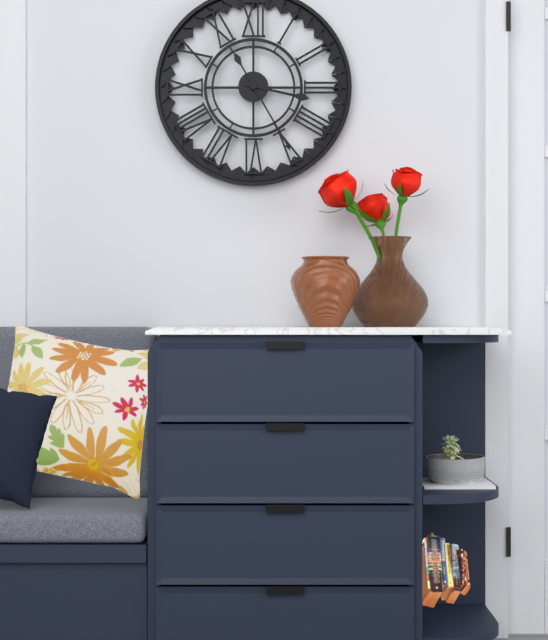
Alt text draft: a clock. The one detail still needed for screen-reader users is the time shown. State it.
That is 3:25
